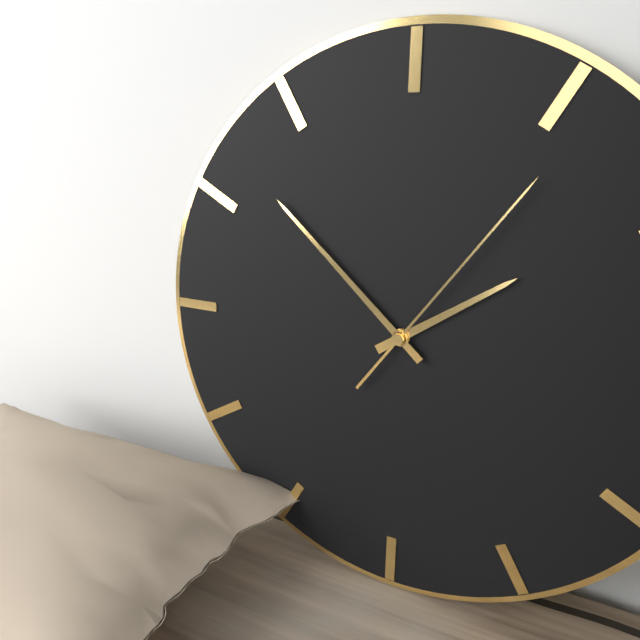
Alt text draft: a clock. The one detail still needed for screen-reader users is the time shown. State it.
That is 1:52:06
